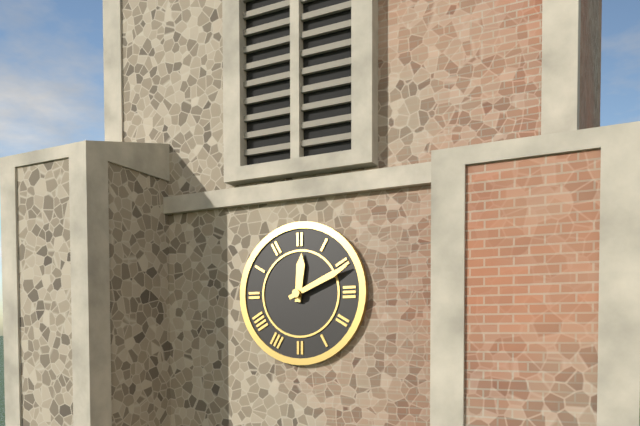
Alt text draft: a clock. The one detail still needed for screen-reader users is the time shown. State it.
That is 12:11
